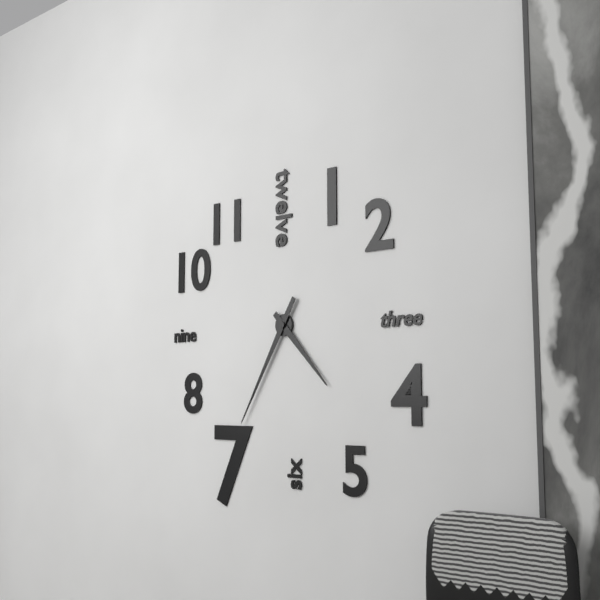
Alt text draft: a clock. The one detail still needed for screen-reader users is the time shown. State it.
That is 4:35
